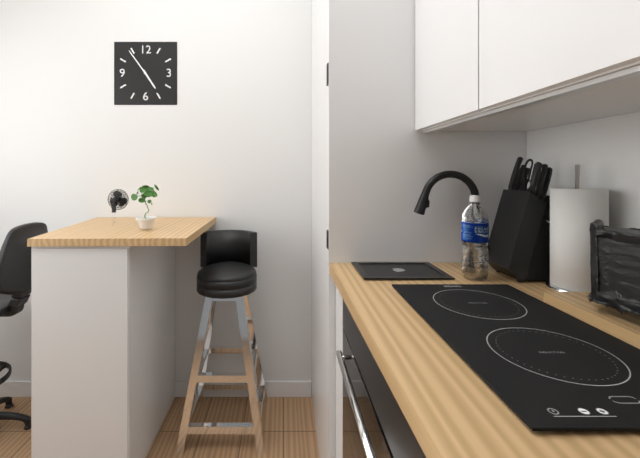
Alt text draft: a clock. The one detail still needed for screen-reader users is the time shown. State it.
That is 4:54
